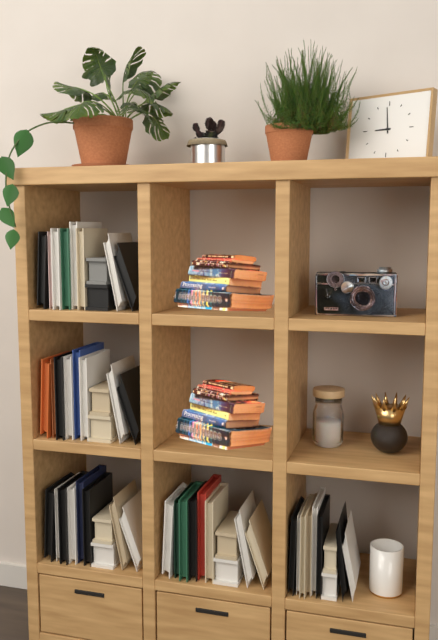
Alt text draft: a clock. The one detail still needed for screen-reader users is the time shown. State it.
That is 8:59
